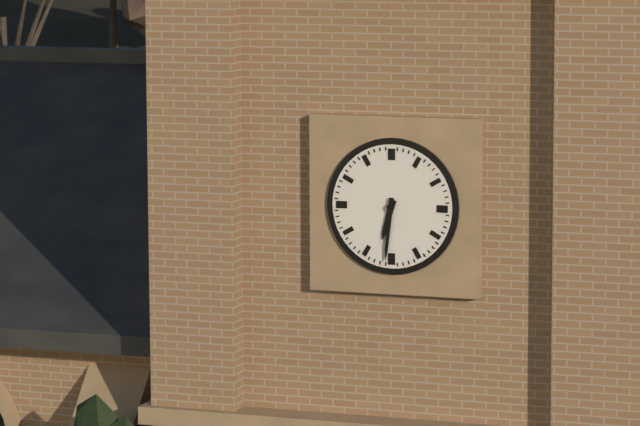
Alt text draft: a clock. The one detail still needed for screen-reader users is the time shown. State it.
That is 6:31
